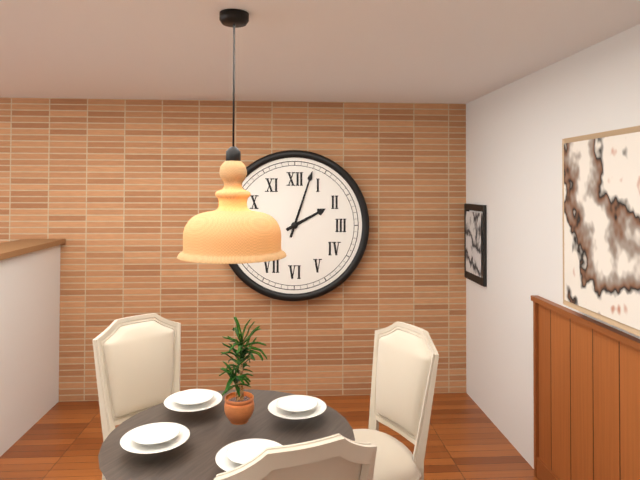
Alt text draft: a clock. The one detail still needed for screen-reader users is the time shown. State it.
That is 2:03
